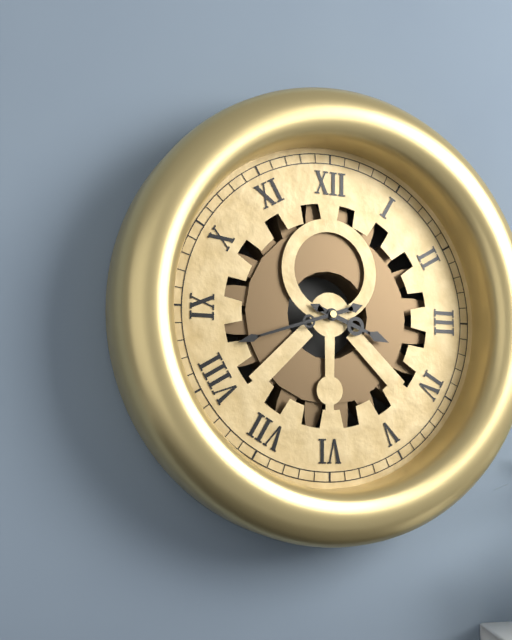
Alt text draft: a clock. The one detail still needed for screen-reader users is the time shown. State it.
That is 3:42
